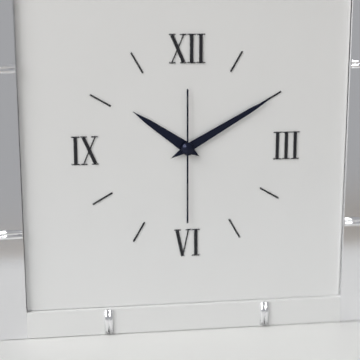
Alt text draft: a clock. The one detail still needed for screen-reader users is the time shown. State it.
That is 10:10:30
